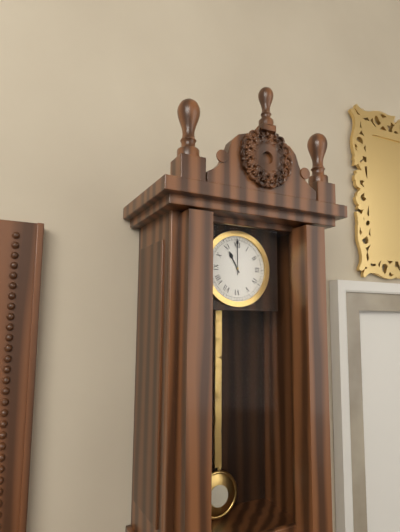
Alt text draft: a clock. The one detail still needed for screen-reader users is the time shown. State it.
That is 11:00
